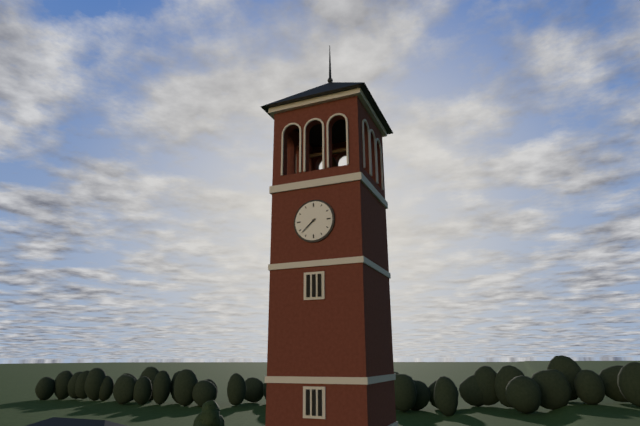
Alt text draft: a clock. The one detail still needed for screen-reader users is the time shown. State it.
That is 7:38
